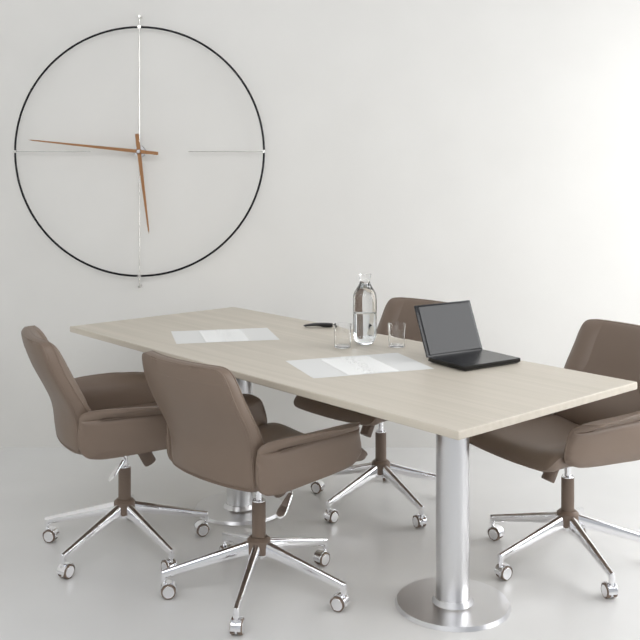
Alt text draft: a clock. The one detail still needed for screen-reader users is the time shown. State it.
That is 5:46
